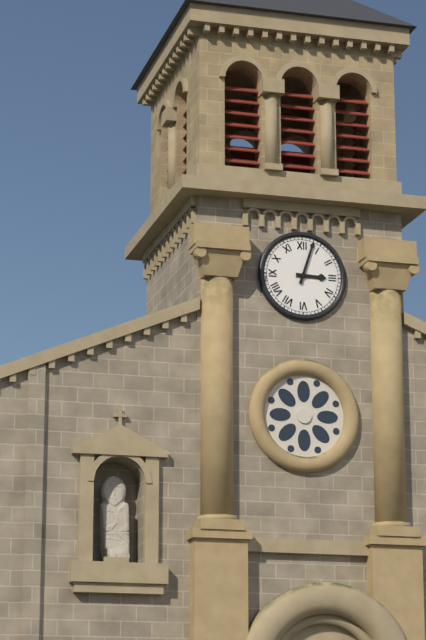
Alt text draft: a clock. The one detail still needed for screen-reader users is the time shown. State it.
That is 3:03
